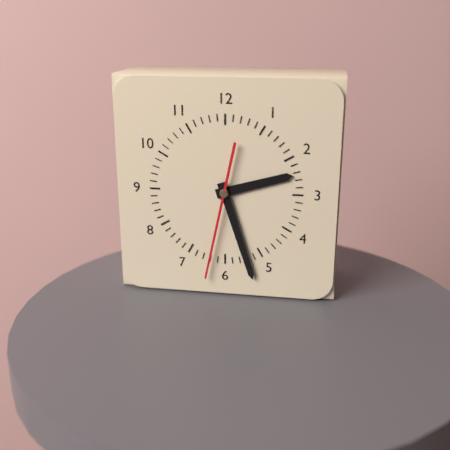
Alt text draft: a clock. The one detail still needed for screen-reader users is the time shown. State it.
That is 2:27:32
